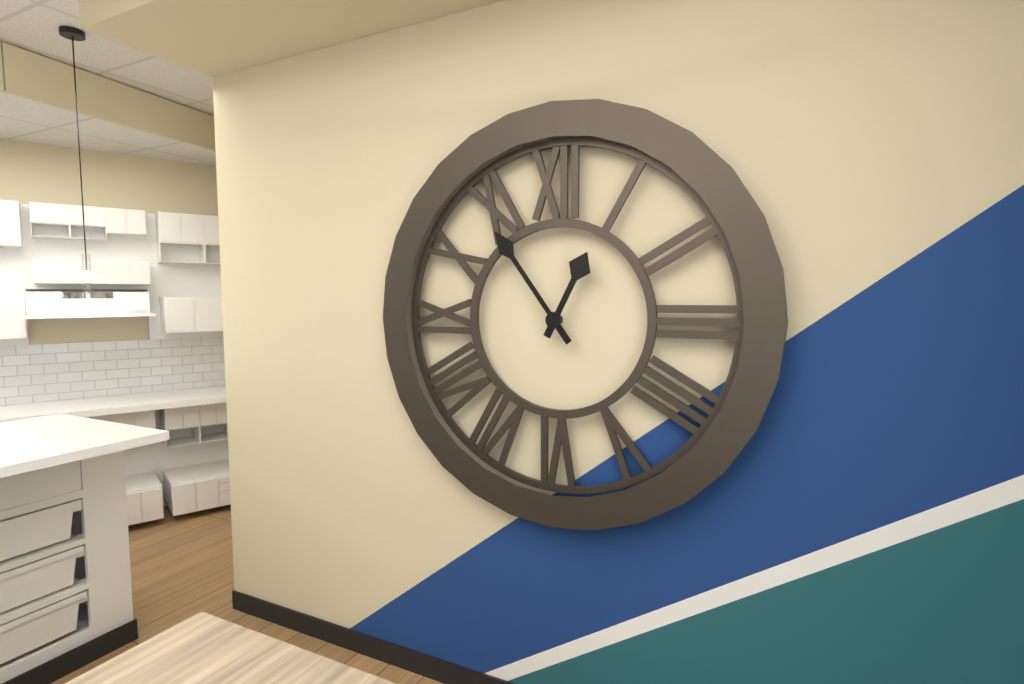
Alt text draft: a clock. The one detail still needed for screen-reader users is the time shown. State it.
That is 12:54
